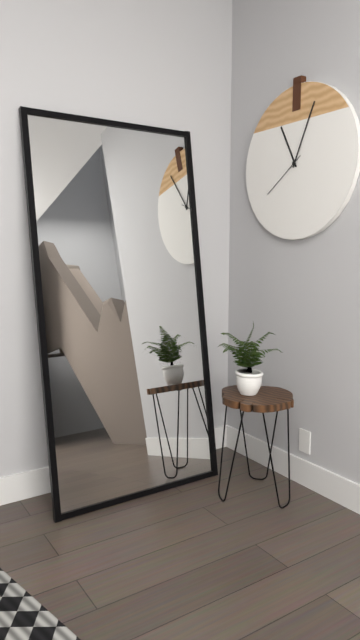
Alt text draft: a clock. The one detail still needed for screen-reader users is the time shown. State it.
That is 11:04:39
